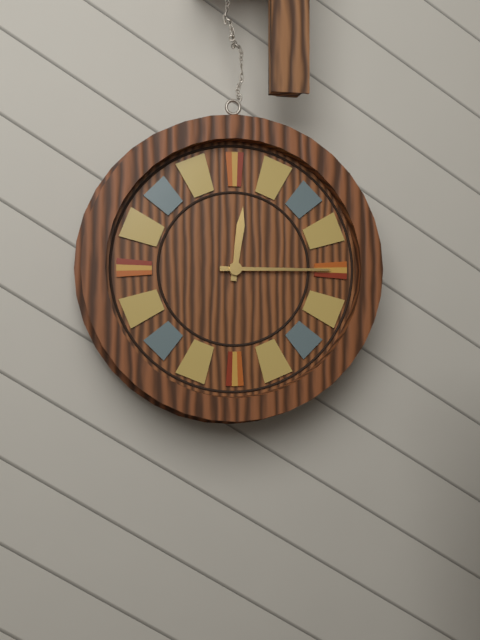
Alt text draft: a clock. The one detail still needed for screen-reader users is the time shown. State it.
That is 12:15
